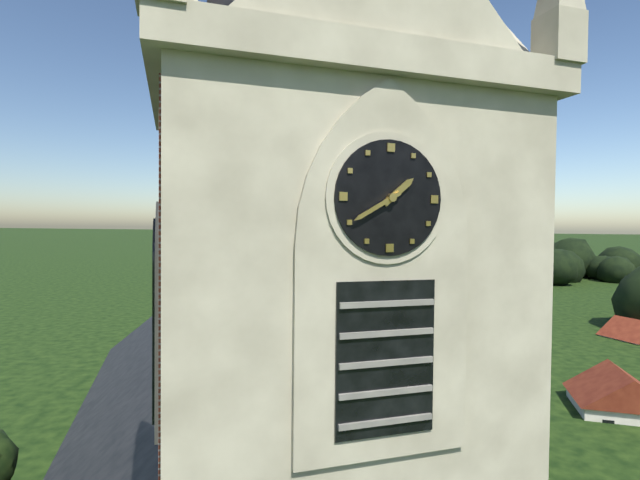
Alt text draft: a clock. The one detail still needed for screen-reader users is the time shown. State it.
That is 1:40
